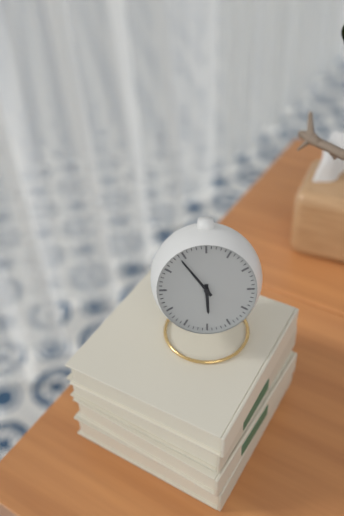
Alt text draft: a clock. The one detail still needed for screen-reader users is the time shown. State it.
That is 5:54
